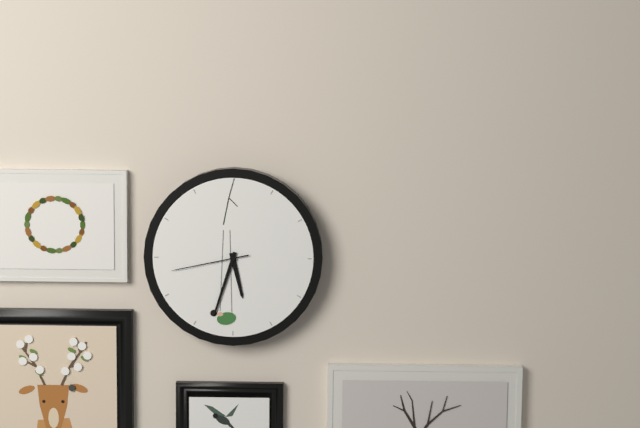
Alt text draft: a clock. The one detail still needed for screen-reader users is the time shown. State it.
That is 5:33:43
